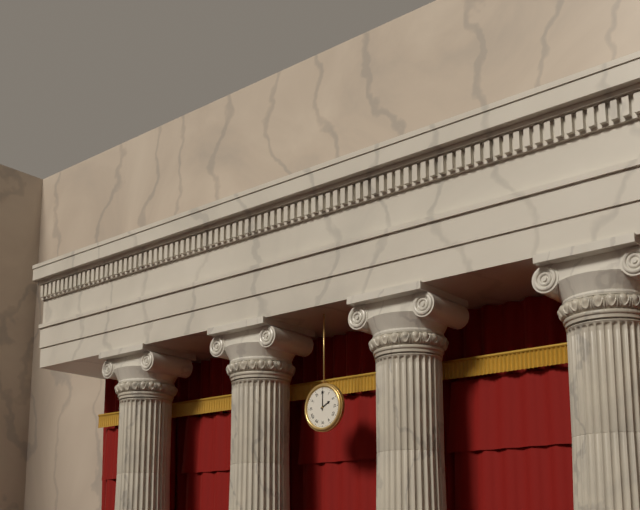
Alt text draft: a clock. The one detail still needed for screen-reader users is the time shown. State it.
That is 2:00
